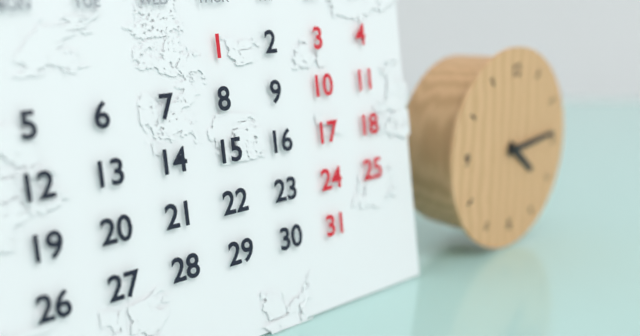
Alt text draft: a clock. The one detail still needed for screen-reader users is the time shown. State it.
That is 4:14
